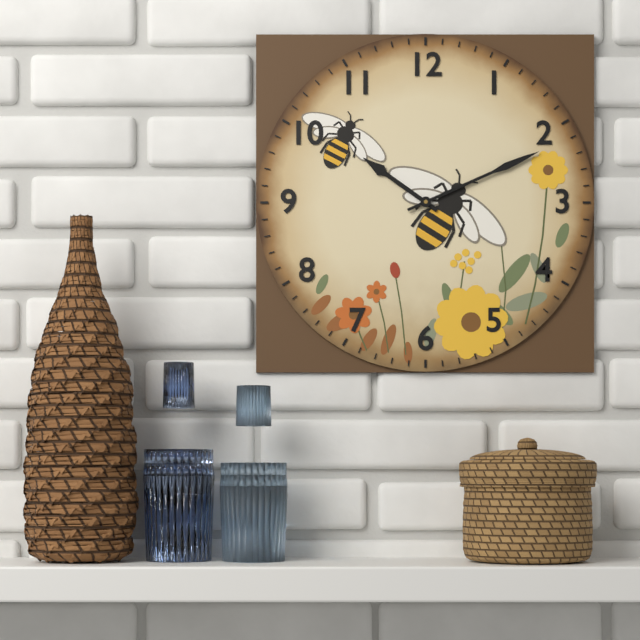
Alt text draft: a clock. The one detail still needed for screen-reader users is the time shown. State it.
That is 10:11
